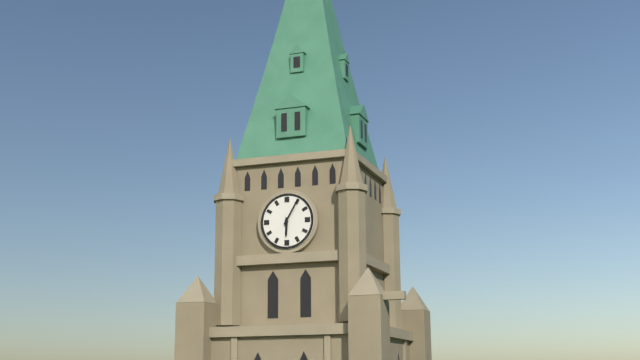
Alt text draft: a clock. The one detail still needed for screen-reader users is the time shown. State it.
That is 6:05
